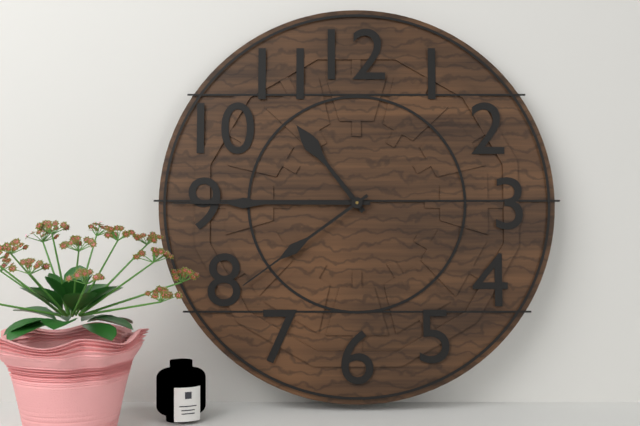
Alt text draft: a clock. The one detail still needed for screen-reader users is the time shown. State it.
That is 10:45:39
